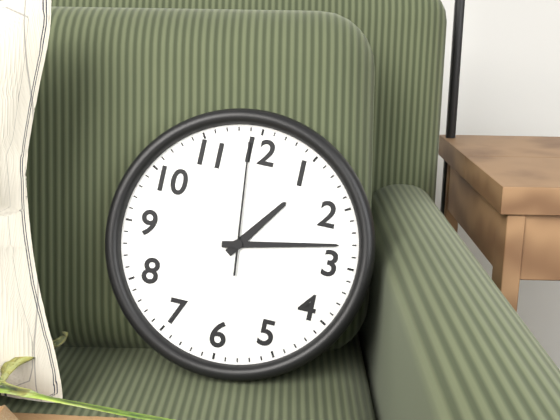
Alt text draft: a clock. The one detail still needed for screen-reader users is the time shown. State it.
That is 1:13:59
